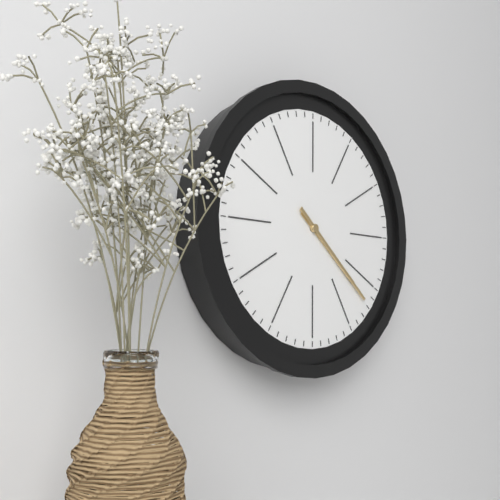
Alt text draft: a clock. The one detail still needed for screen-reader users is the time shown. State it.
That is 4:22
